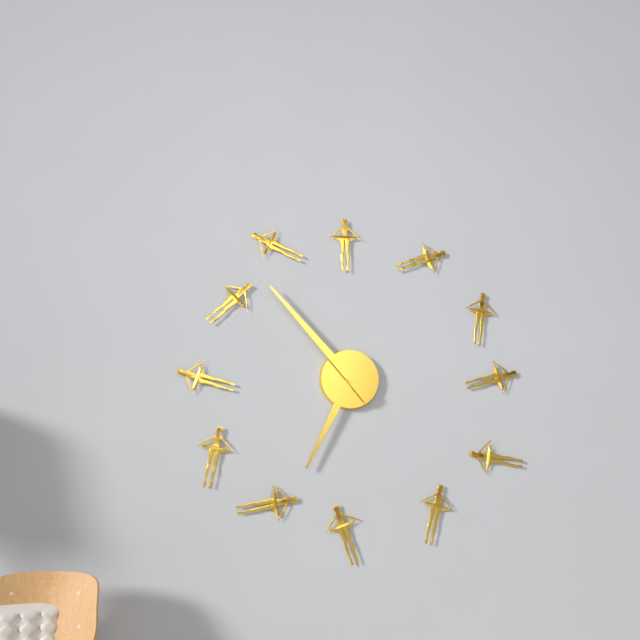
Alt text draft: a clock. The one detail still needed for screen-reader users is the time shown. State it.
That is 6:53
